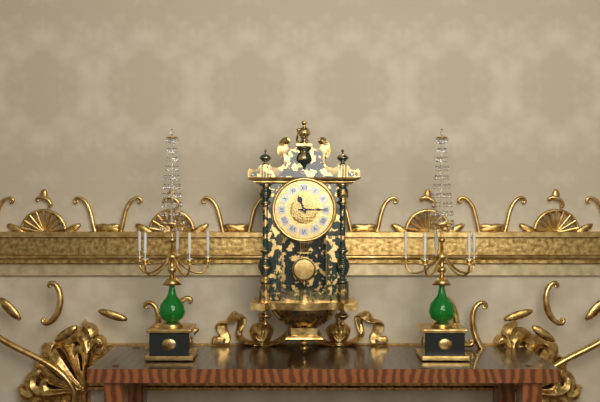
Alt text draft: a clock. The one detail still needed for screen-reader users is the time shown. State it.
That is 11:15
